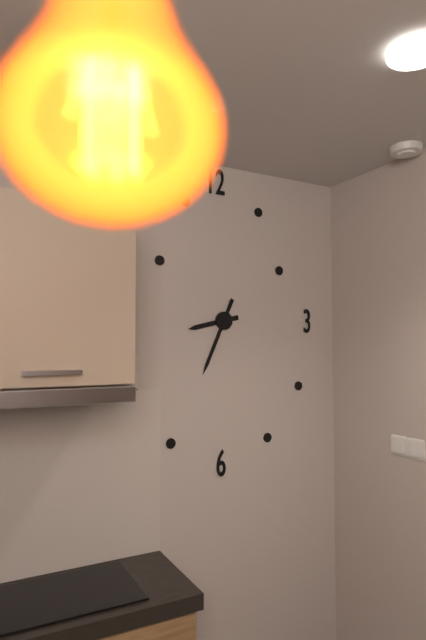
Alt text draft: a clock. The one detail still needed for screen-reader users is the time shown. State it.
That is 8:34
